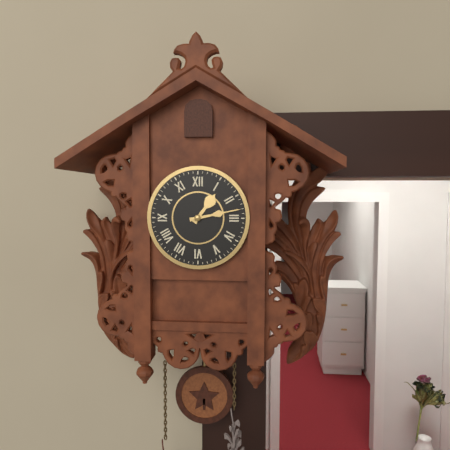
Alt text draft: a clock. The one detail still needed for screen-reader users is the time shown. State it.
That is 1:13
